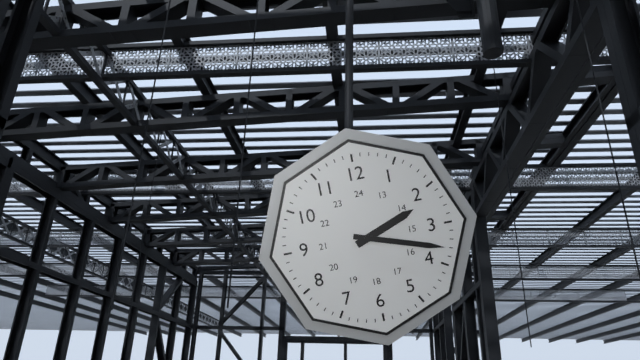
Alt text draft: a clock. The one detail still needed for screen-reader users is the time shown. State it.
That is 2:18
